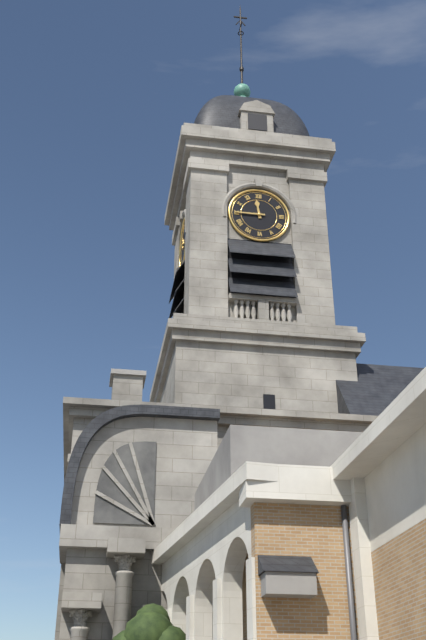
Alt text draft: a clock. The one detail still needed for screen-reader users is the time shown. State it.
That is 11:45
